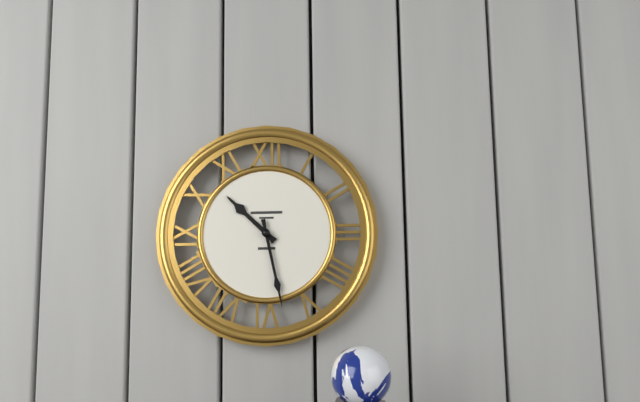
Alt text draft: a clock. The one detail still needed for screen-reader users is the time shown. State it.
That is 10:28
